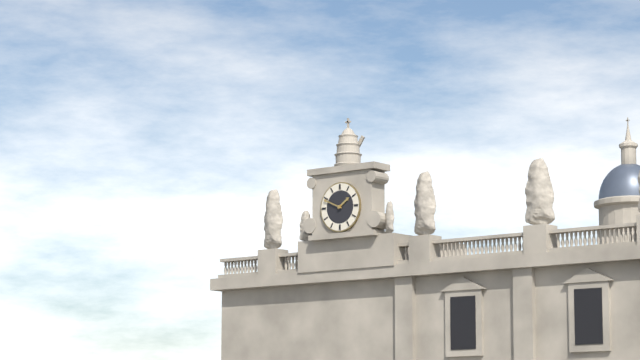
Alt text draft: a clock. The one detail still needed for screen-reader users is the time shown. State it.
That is 1:49
